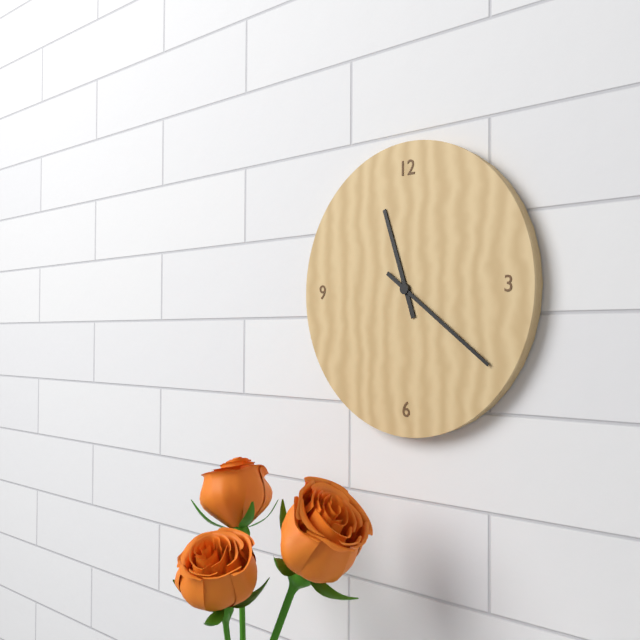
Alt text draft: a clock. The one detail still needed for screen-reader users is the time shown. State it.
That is 11:21
